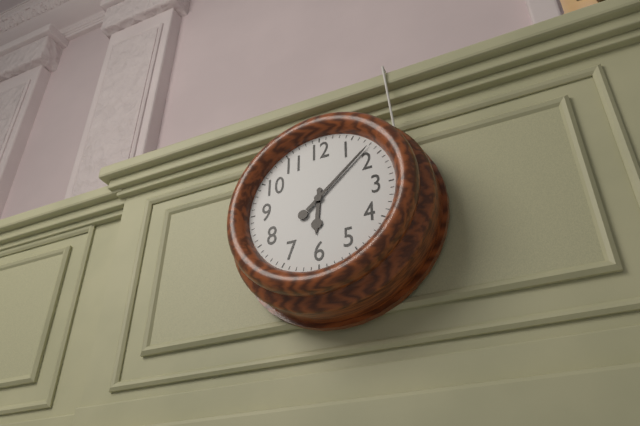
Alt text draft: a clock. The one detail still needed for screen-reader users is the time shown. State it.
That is 6:08
